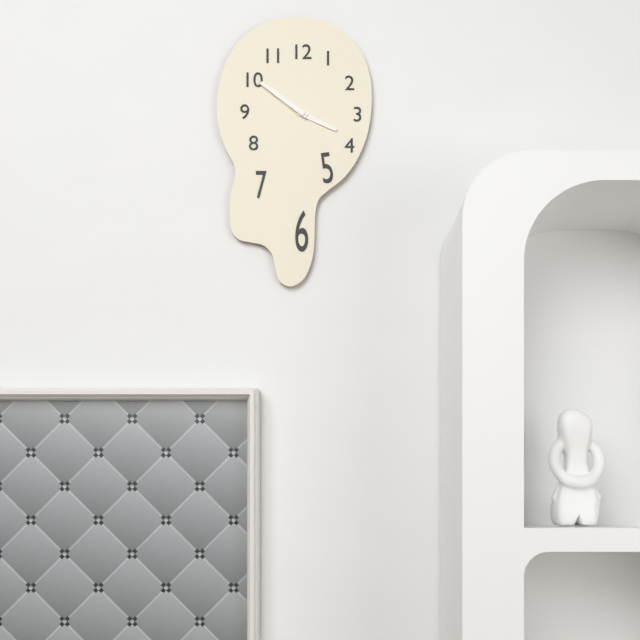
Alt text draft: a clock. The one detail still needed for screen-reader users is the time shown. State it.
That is 3:51
